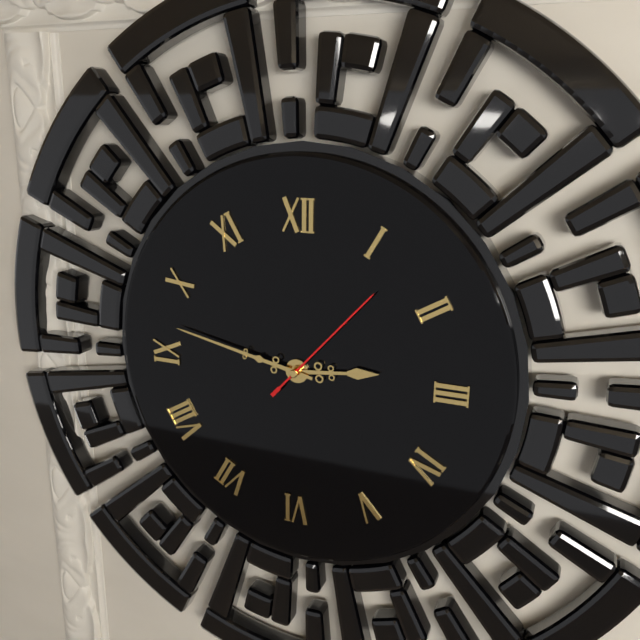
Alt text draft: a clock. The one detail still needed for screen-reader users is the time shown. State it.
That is 2:47:07
